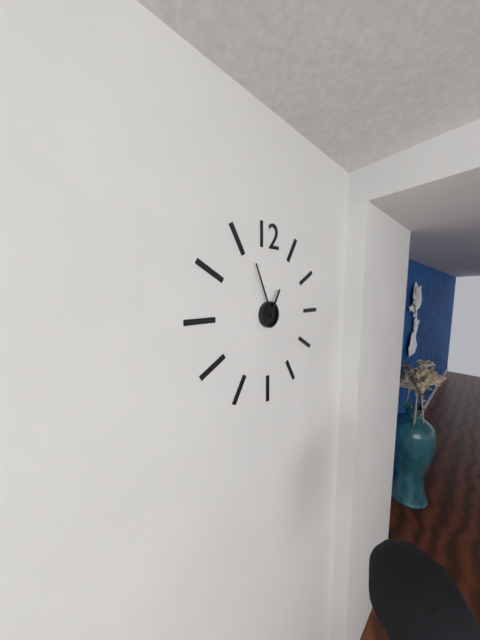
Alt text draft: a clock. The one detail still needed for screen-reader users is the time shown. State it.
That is 12:56
